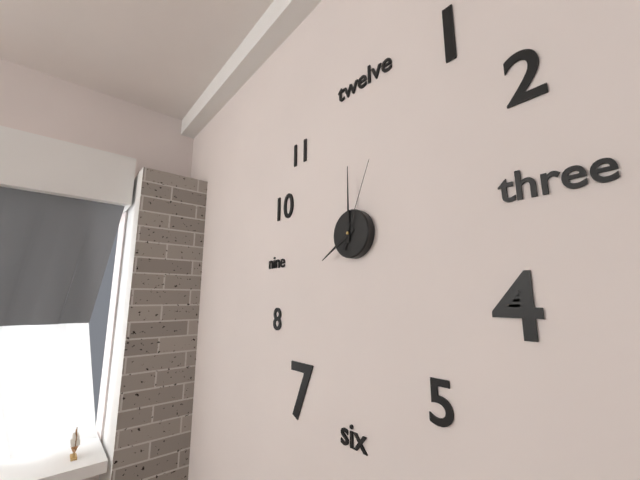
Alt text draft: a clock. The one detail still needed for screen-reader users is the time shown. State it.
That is 8:00:04
